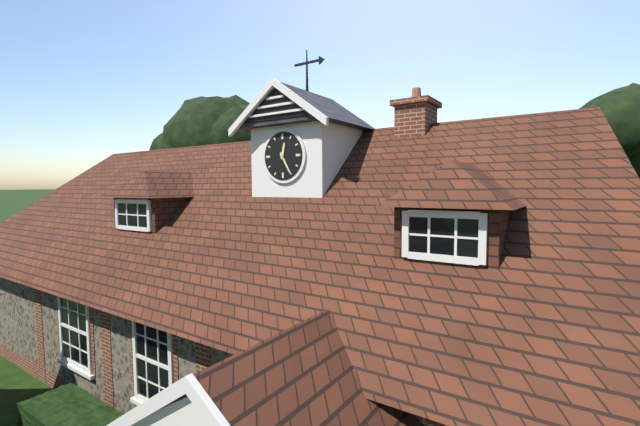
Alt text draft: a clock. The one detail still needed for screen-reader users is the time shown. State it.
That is 12:25
